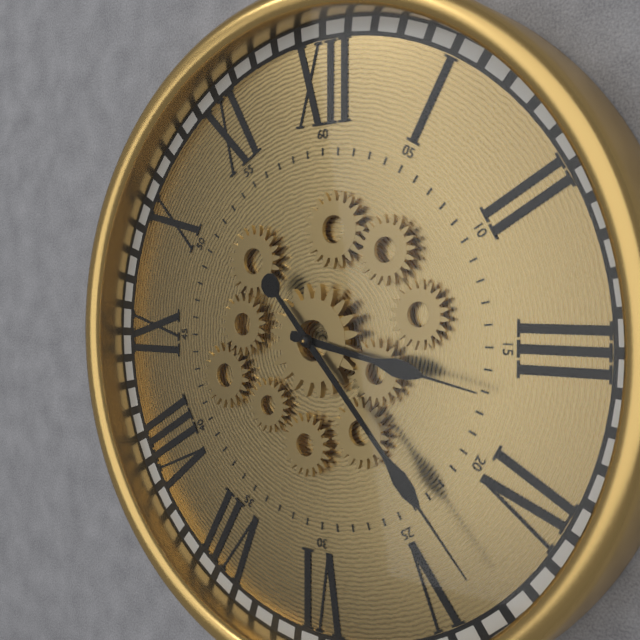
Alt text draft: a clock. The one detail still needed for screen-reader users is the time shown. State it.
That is 3:23
